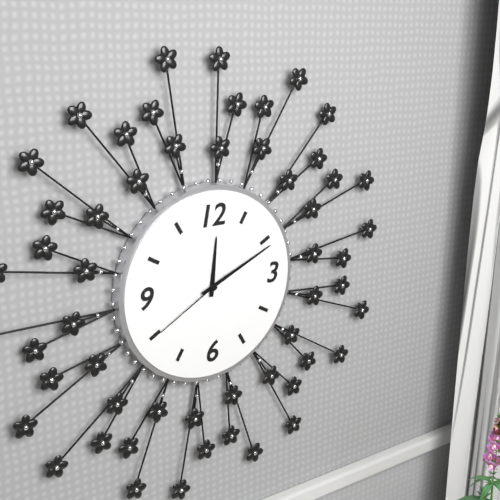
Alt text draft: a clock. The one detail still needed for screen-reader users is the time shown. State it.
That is 12:11:40
